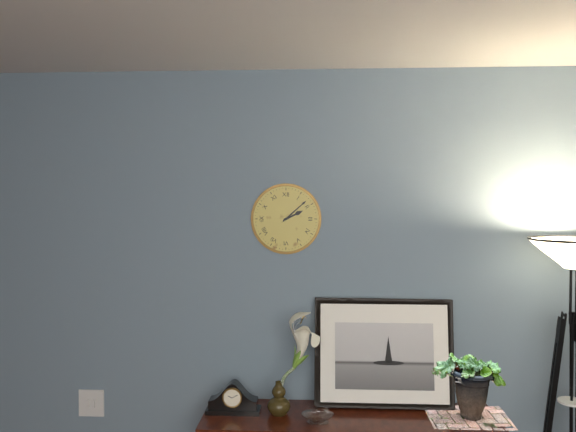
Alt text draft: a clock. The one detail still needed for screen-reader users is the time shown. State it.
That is 2:08
